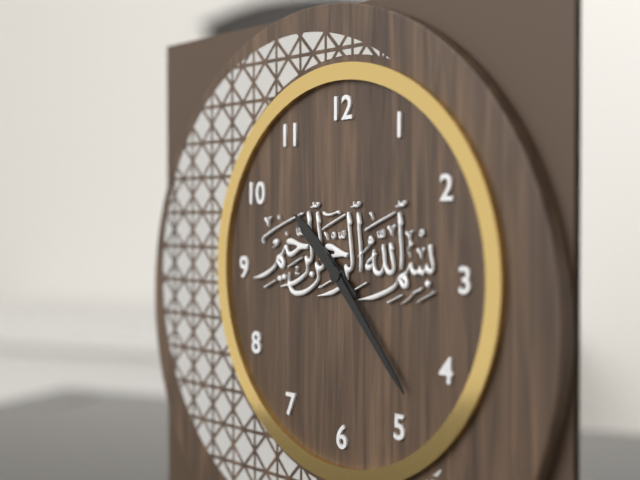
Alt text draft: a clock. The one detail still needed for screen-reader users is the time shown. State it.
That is 10:23
